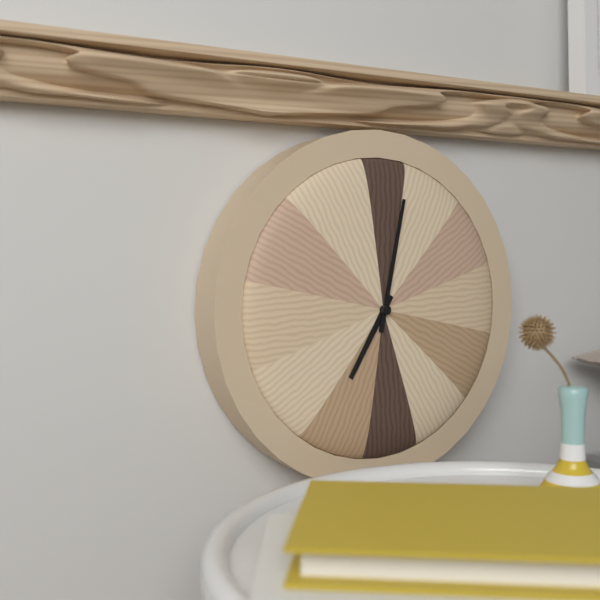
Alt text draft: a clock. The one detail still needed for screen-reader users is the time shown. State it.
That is 7:02
